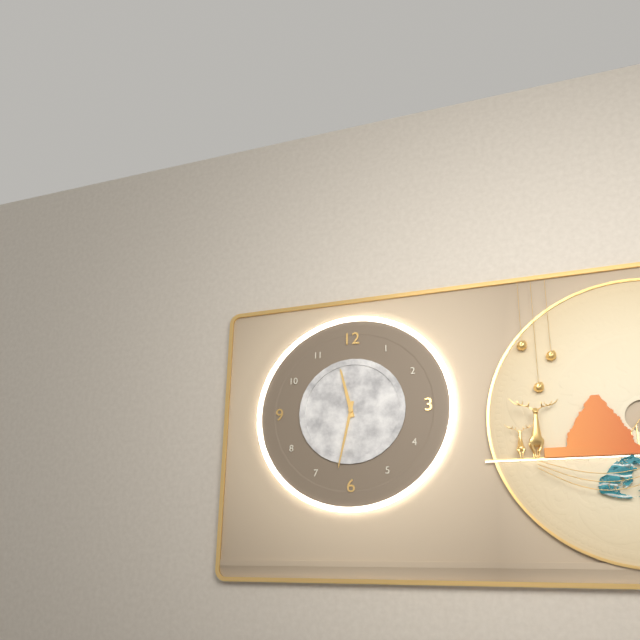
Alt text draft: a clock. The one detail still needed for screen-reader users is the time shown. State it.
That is 11:32
